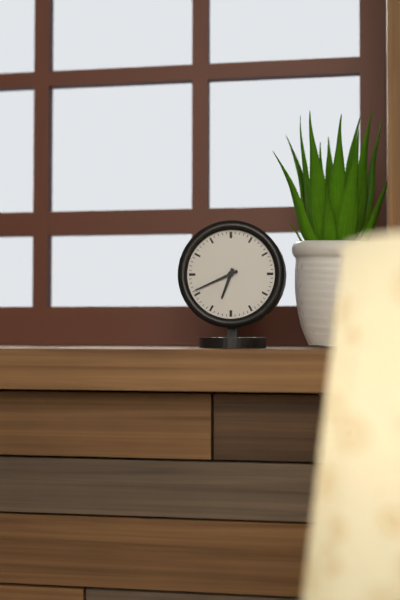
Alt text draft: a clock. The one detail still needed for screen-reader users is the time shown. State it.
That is 6:41
